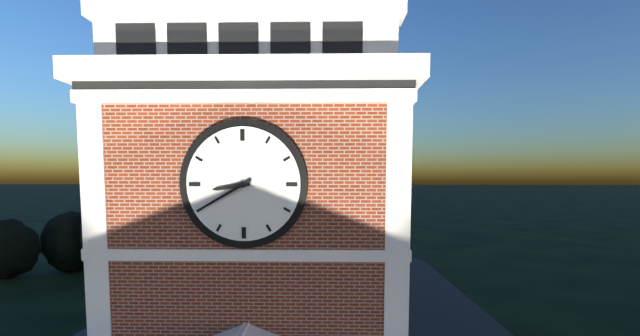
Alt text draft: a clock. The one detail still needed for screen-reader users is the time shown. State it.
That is 8:40
